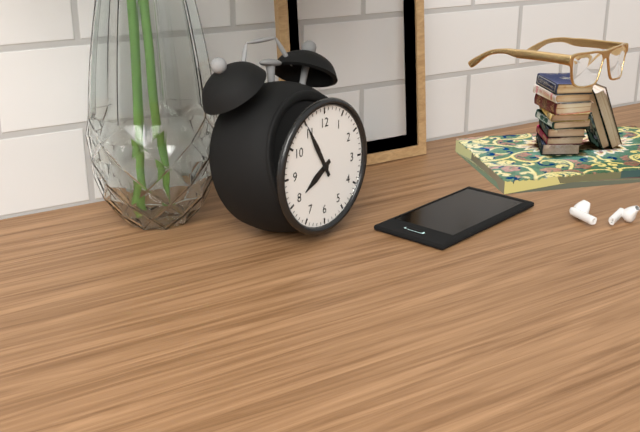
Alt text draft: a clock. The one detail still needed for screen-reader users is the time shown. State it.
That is 7:55
